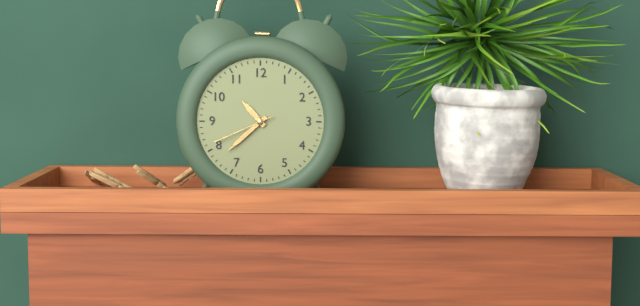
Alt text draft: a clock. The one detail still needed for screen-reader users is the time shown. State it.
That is 10:38:41
